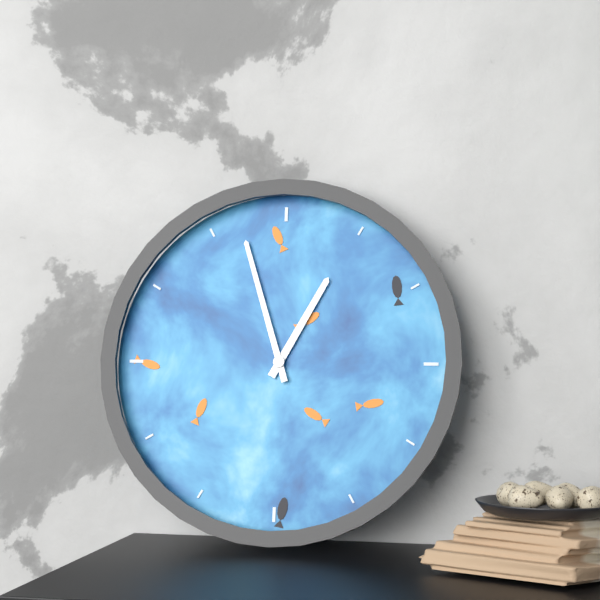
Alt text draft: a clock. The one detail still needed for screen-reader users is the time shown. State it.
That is 12:57
